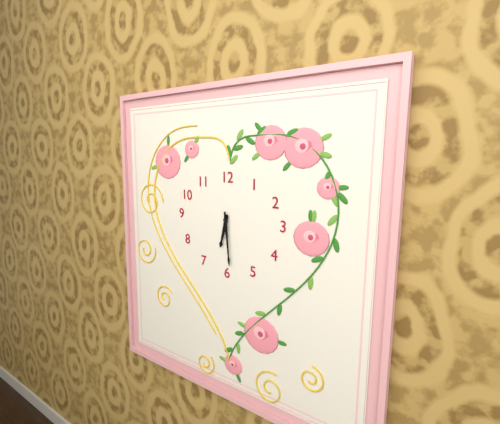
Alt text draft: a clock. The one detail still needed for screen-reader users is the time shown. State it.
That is 6:29
